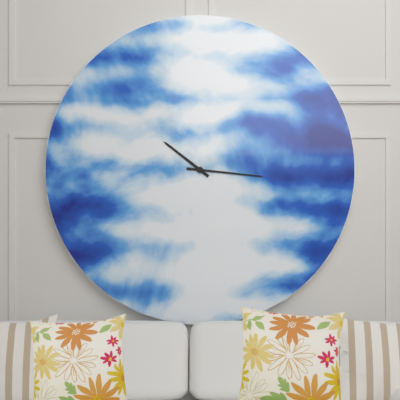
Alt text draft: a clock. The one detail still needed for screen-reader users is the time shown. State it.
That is 10:16
